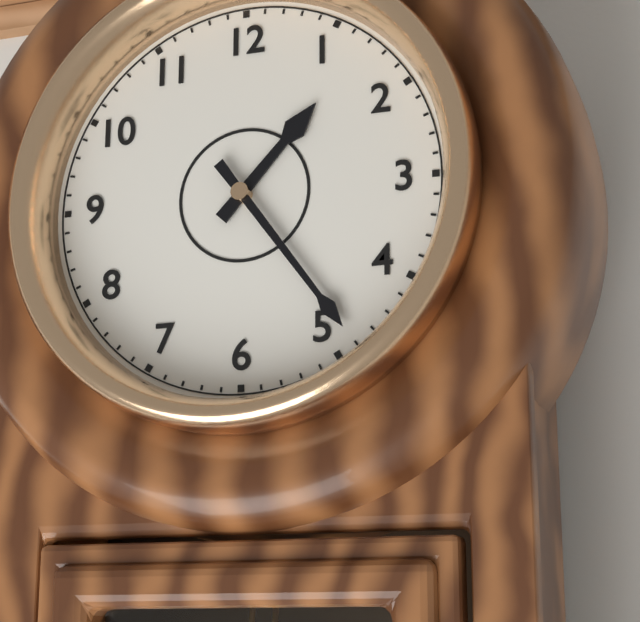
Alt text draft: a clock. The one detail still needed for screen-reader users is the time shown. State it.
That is 1:24
